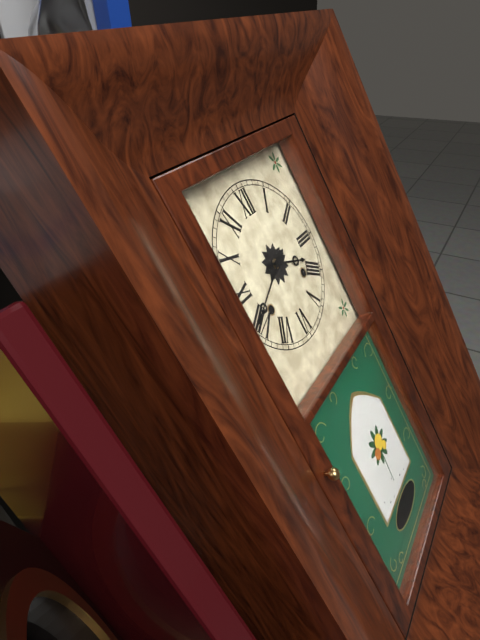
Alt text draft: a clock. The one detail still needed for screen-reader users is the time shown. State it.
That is 3:41
